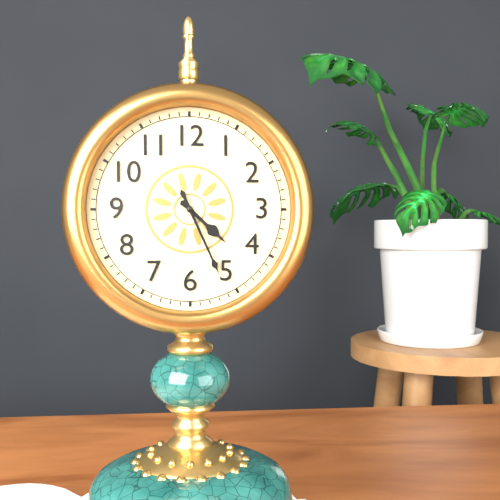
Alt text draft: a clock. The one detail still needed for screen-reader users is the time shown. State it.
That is 4:26
